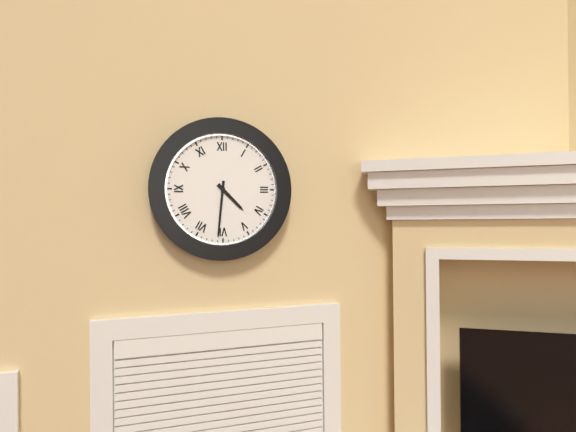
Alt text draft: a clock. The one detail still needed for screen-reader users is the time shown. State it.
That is 4:31
